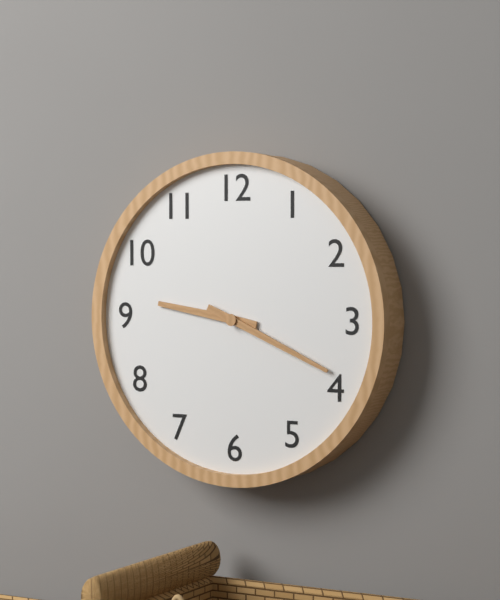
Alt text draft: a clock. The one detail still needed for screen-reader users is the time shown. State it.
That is 9:19
